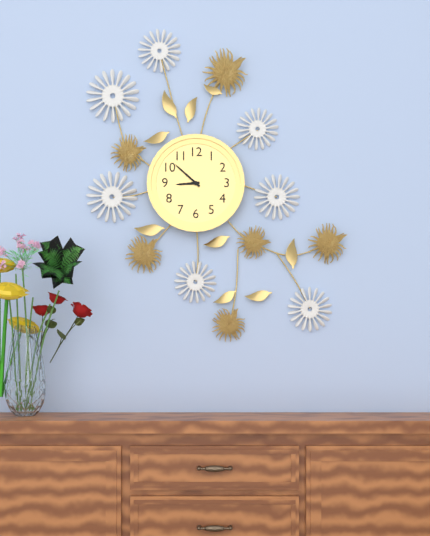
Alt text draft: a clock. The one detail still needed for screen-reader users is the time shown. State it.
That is 8:52
